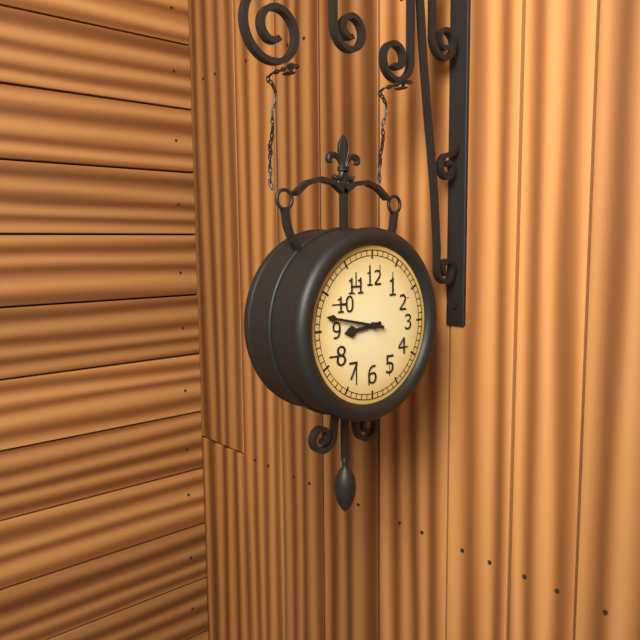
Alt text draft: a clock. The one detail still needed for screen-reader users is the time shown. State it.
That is 8:47
